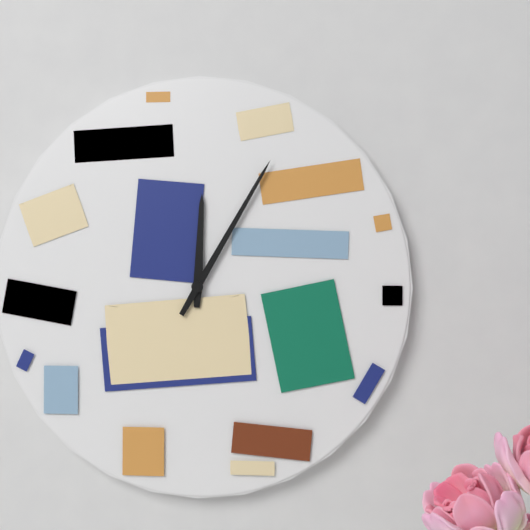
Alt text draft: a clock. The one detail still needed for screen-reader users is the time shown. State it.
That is 12:05
